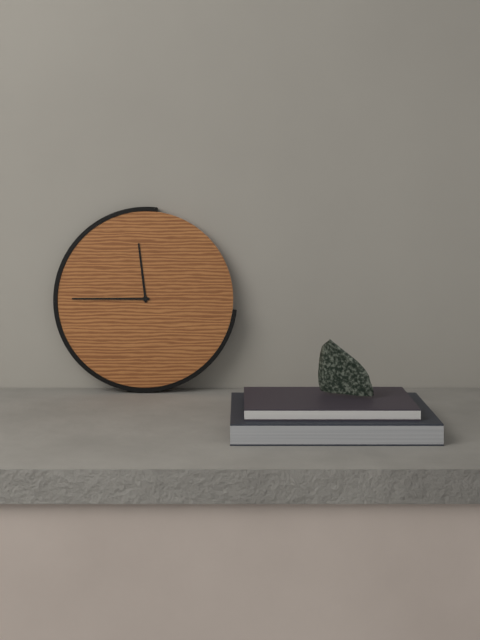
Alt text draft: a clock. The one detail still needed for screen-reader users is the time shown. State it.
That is 11:45
